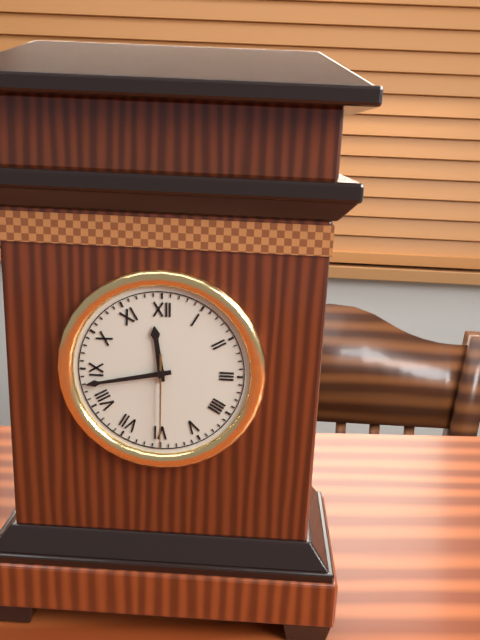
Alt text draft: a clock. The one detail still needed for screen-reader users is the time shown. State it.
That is 11:43:30
